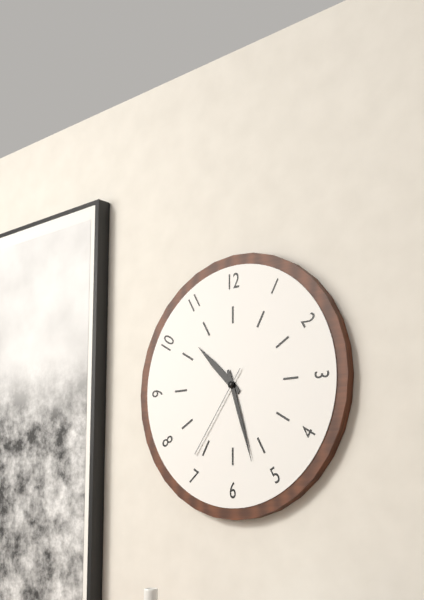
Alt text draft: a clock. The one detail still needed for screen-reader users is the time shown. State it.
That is 10:27:36
